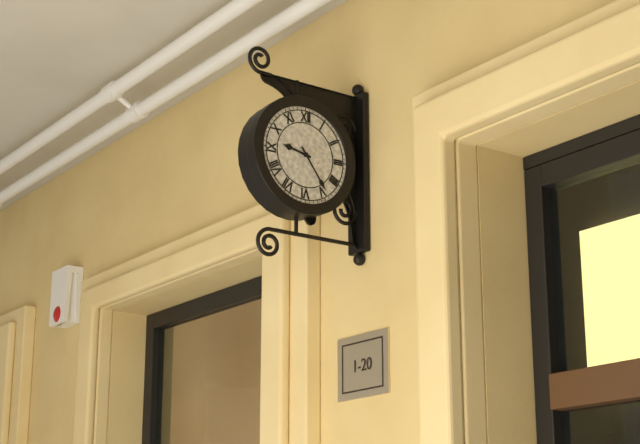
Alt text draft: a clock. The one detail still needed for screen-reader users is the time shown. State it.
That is 9:24
